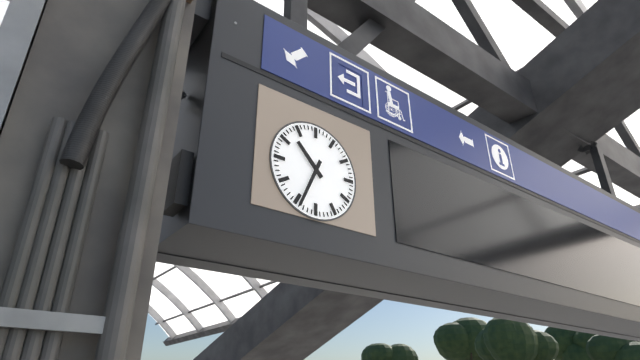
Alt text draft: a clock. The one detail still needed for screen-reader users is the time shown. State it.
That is 10:34
